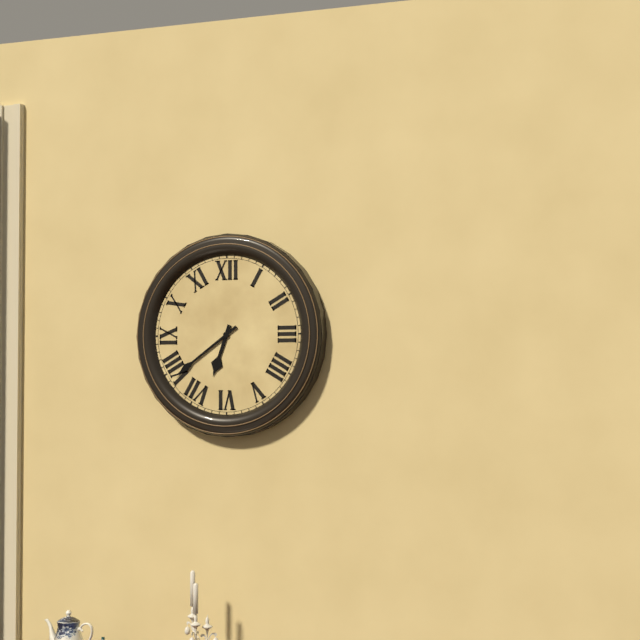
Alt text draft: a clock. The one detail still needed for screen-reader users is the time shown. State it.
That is 6:39
